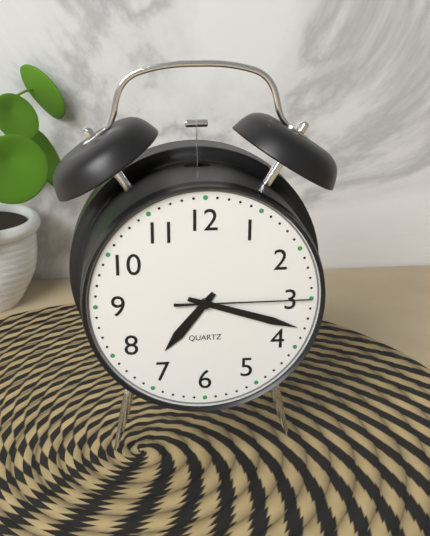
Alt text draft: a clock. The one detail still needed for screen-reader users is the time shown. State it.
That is 7:18:15
